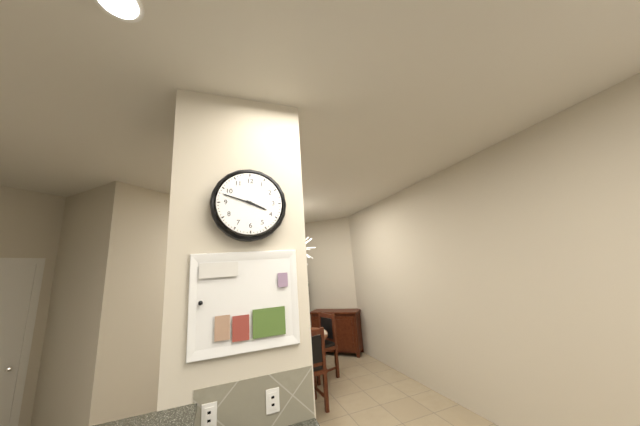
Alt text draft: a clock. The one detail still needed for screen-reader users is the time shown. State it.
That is 3:48
